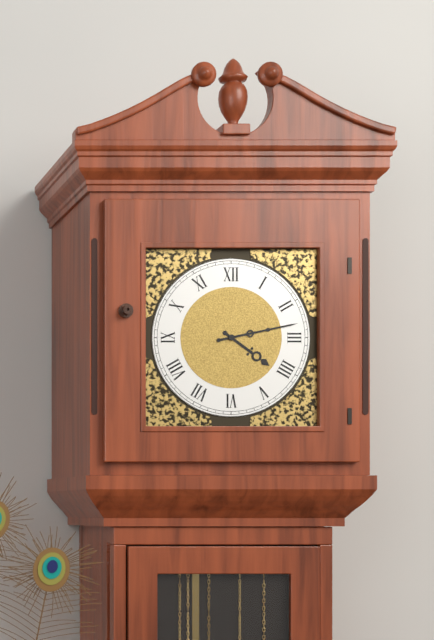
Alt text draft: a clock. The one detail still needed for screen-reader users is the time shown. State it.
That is 4:13
